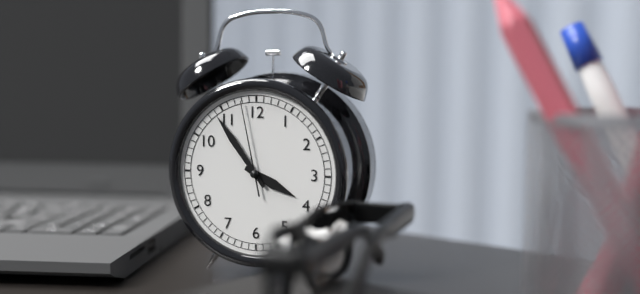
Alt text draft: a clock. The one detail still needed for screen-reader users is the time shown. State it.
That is 3:54:58
